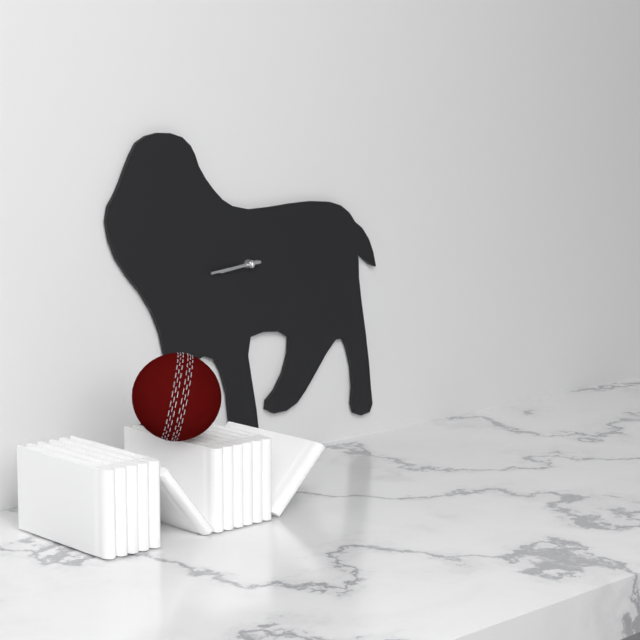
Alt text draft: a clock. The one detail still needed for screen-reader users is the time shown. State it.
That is 8:44
